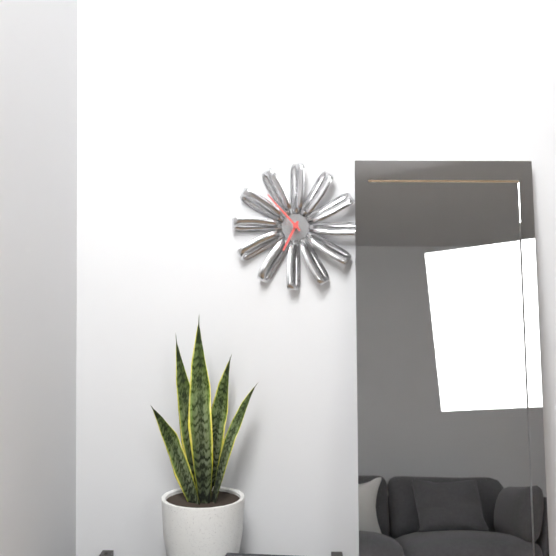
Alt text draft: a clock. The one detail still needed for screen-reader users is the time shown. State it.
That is 6:53
